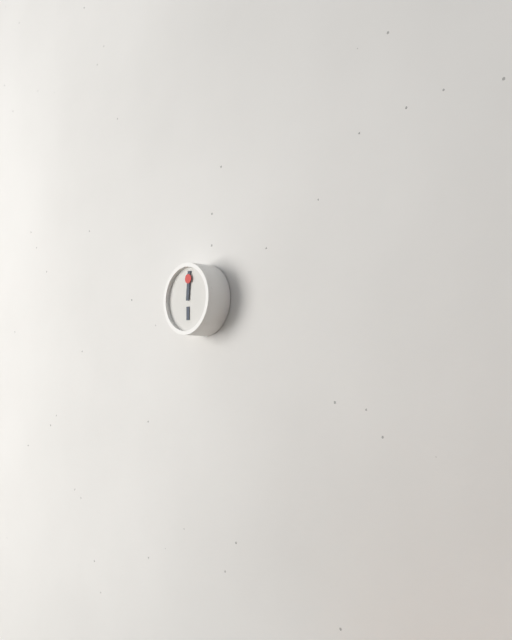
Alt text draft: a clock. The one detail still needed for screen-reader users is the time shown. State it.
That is 6:01
